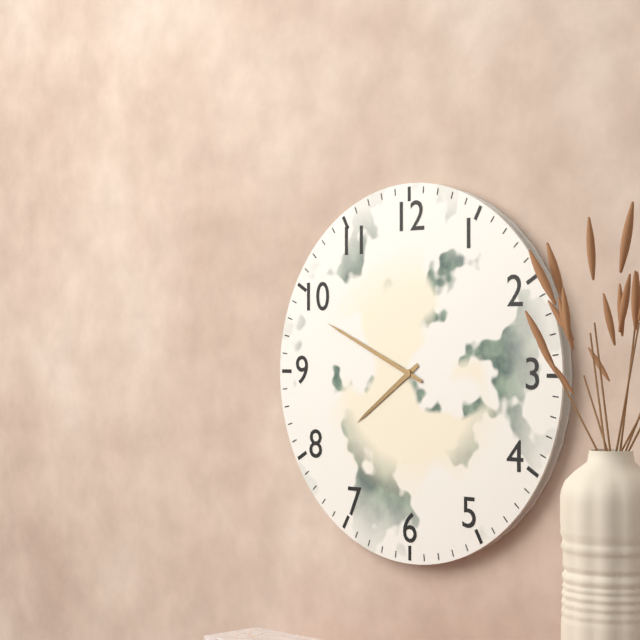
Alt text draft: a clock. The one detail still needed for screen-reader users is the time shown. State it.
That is 7:49
